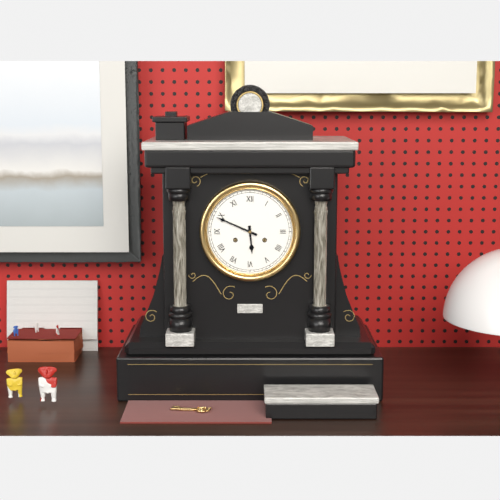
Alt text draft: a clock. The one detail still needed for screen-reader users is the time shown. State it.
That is 5:49
